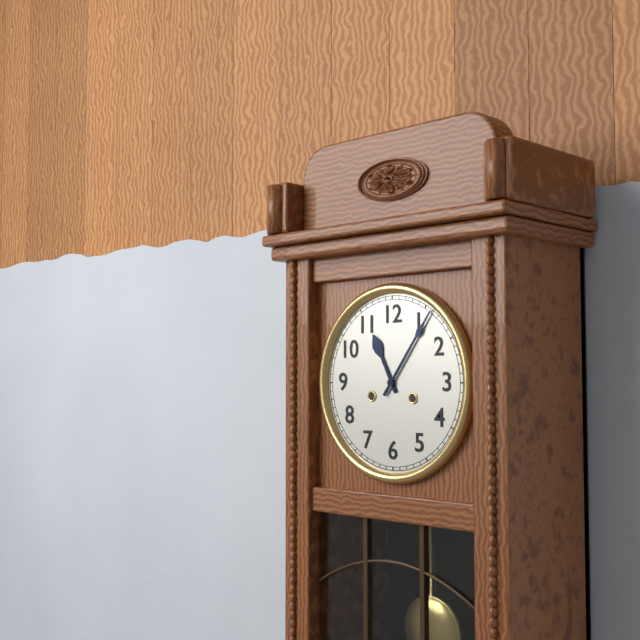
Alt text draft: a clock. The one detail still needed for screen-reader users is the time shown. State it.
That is 11:06
